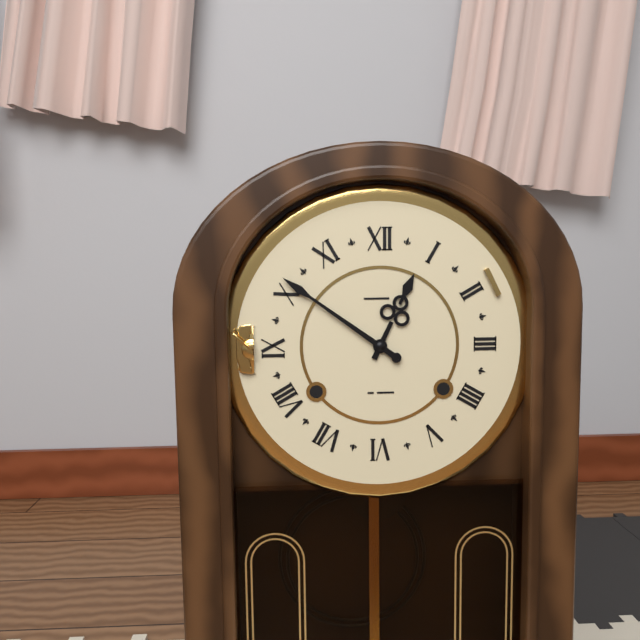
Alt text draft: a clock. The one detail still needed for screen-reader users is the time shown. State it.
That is 12:51
